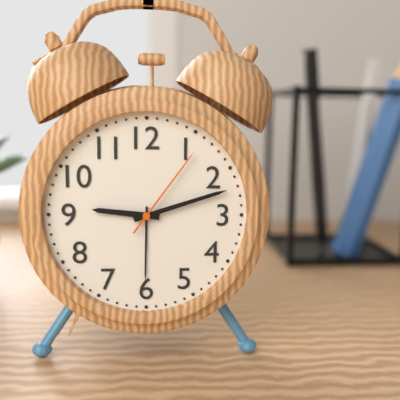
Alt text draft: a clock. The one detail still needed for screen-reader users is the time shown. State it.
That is 9:12:06
